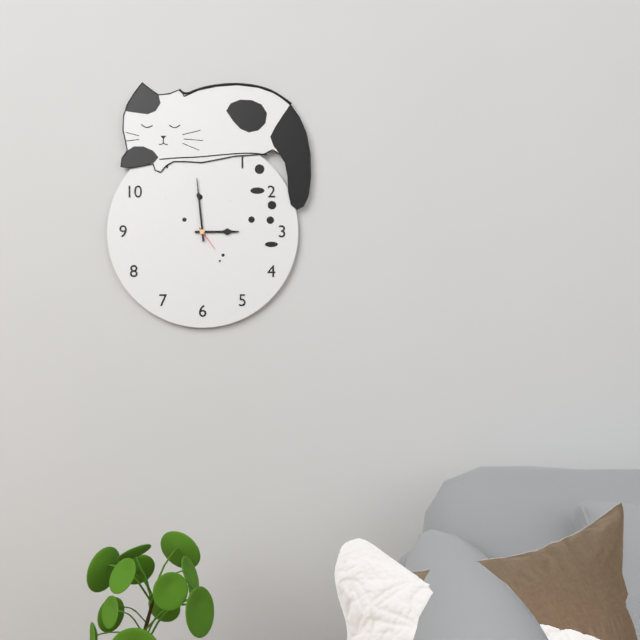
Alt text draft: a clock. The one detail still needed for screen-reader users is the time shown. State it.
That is 2:59
